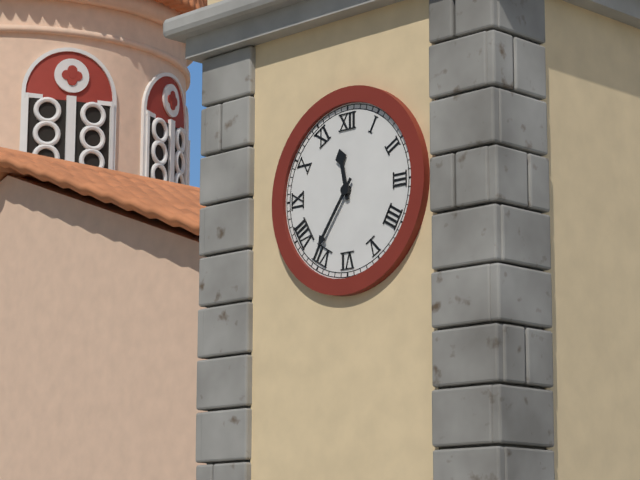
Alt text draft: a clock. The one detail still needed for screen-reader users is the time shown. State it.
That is 11:36
